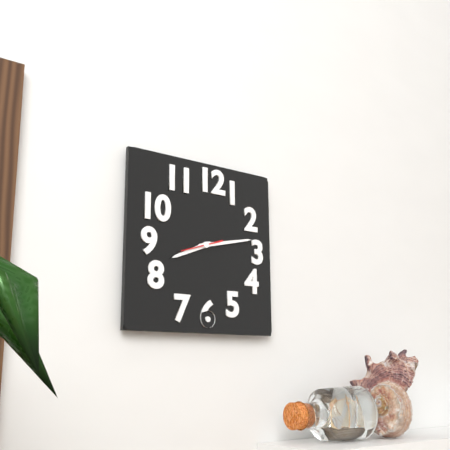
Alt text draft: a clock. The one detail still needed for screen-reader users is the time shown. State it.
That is 8:13
